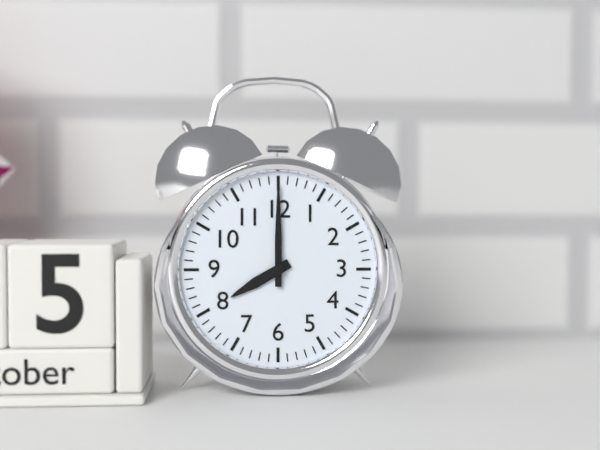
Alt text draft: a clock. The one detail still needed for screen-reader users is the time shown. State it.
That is 8:00
